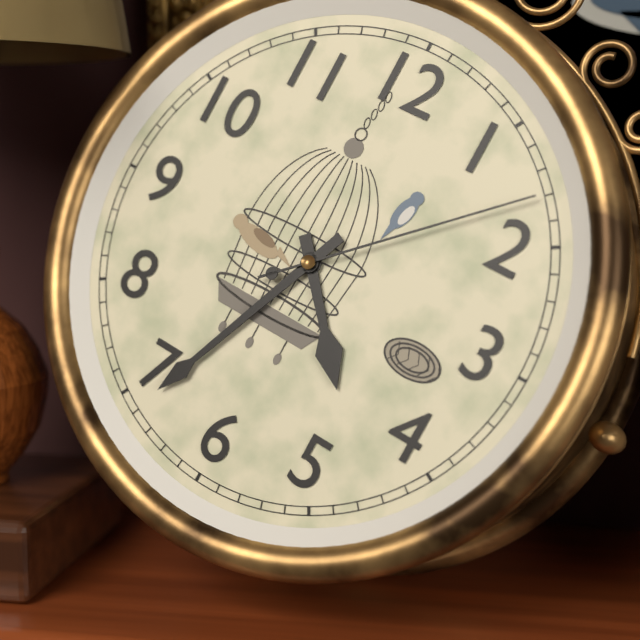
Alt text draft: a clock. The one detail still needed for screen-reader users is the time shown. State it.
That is 4:34:08
